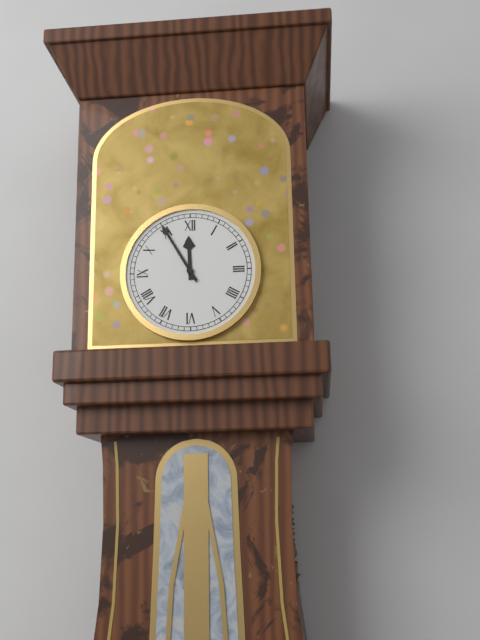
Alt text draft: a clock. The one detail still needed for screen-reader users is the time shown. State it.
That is 11:55
